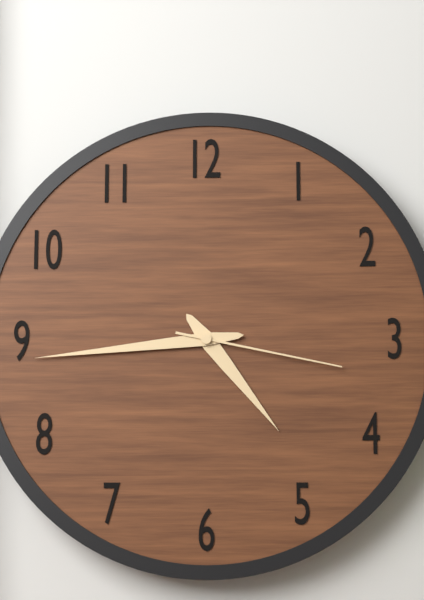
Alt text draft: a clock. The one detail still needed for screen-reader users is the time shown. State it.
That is 4:44:17
